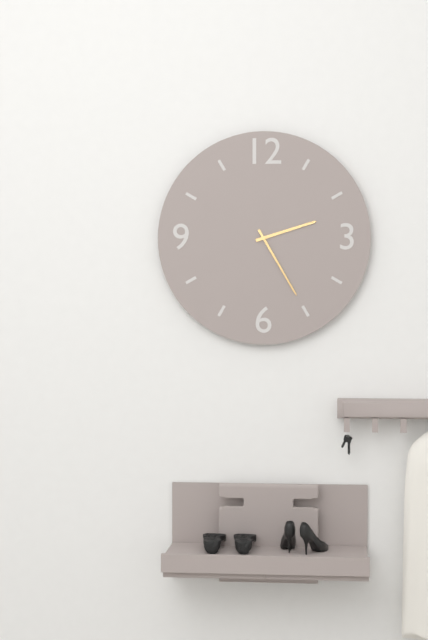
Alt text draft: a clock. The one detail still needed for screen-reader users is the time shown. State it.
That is 2:25
